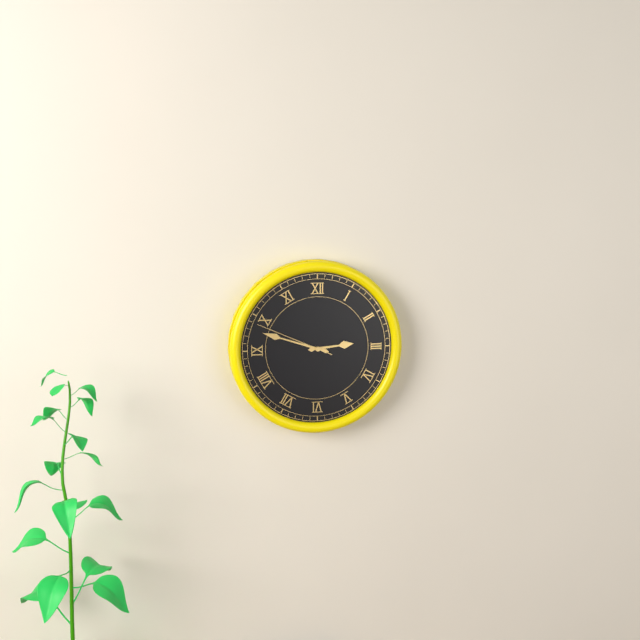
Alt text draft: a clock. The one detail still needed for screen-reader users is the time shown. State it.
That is 2:48:49
